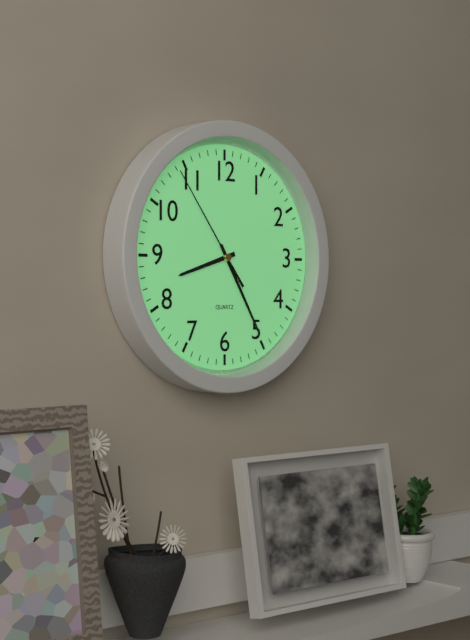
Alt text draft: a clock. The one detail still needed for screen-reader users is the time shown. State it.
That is 8:25:54
